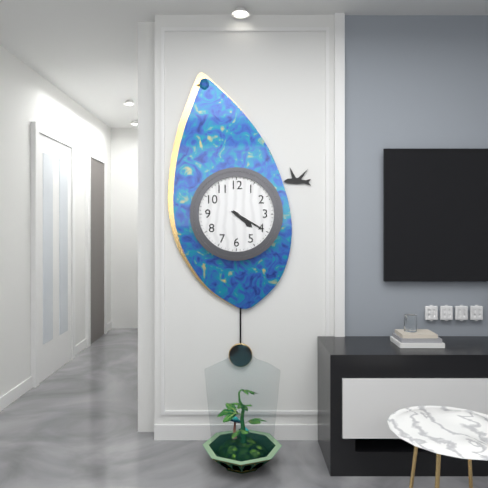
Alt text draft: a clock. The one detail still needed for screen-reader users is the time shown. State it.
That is 4:20
